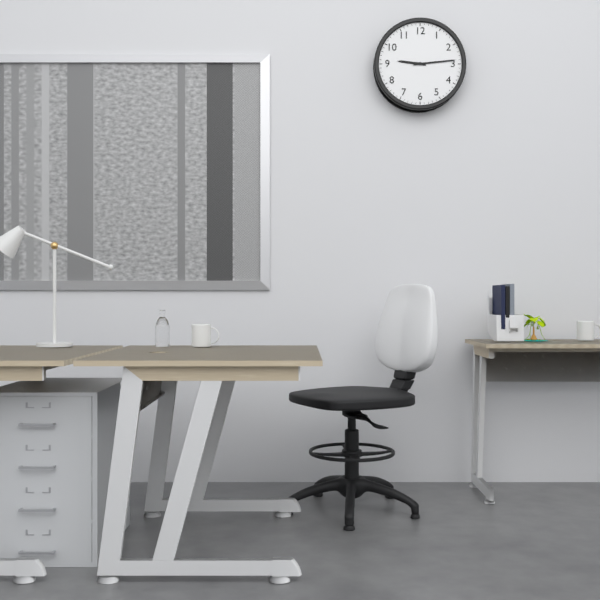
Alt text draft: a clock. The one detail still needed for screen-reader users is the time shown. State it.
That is 9:14
